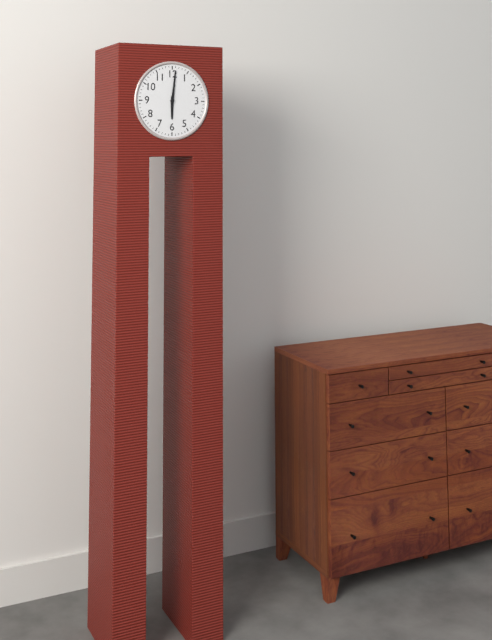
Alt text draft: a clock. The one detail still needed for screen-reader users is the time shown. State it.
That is 6:01
